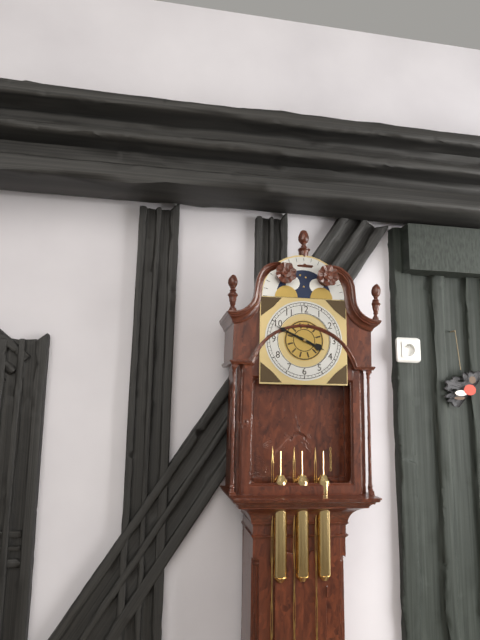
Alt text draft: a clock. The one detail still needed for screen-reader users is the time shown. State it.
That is 3:49
